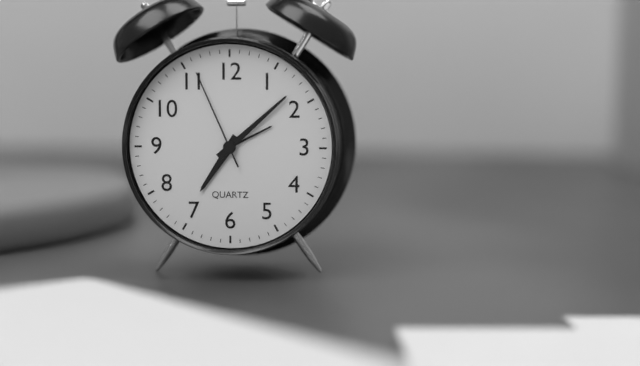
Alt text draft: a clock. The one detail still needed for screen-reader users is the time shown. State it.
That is 7:08:56
